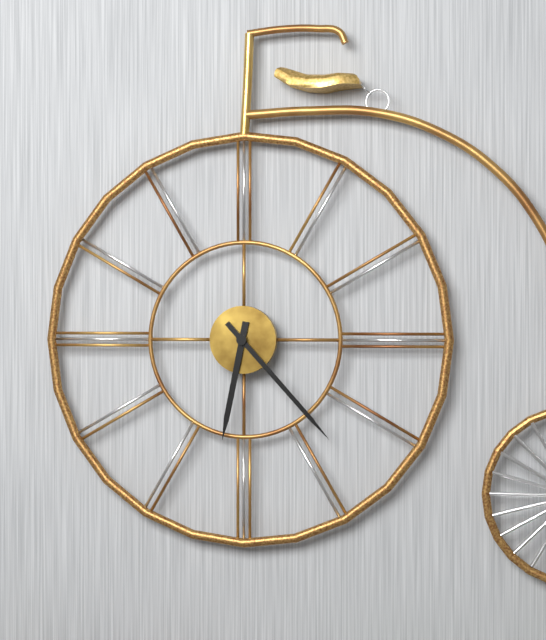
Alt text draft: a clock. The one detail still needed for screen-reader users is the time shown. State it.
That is 6:23
